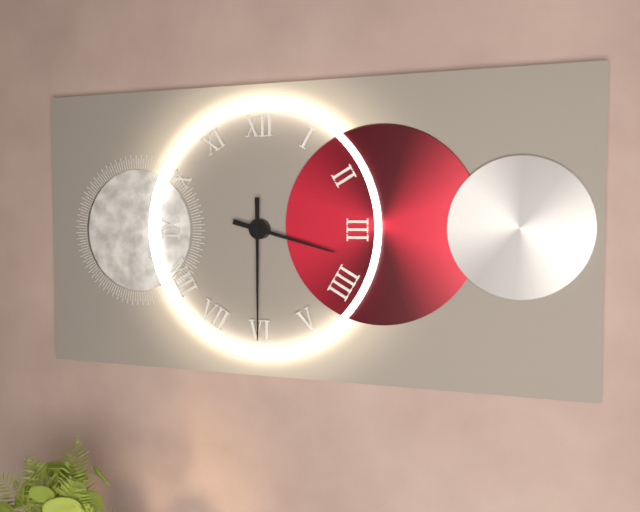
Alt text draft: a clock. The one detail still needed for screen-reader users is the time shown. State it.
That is 3:30
